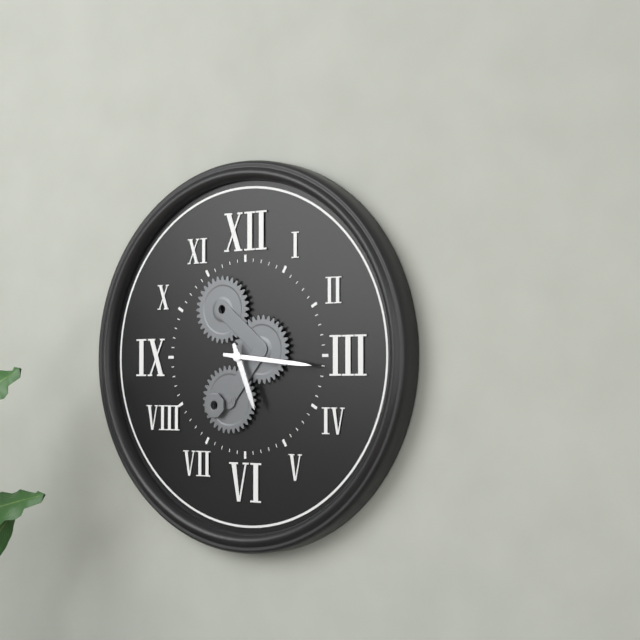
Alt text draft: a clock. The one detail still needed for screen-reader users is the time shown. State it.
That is 5:16
